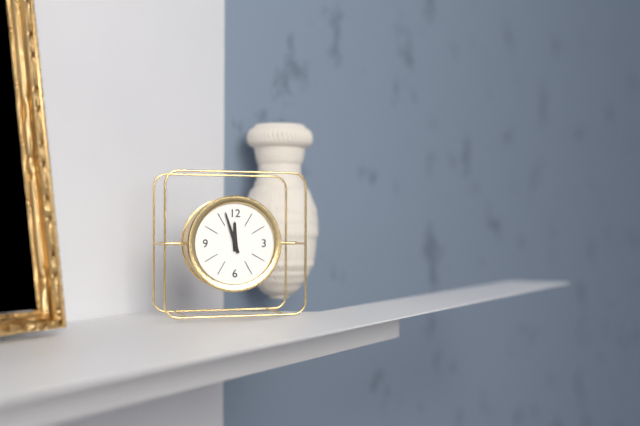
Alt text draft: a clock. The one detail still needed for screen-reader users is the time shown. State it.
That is 11:57
